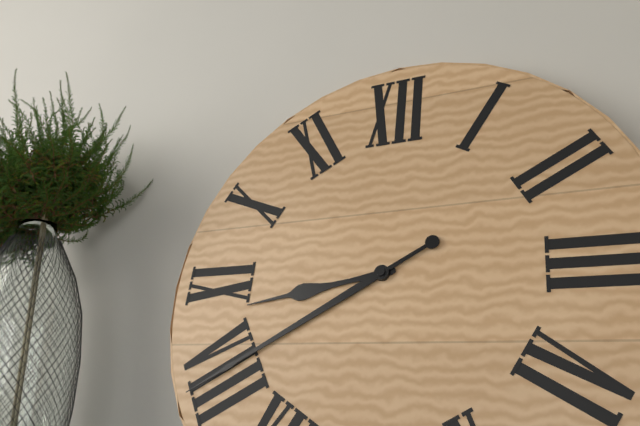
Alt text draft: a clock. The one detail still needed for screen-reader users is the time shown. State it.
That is 8:40
